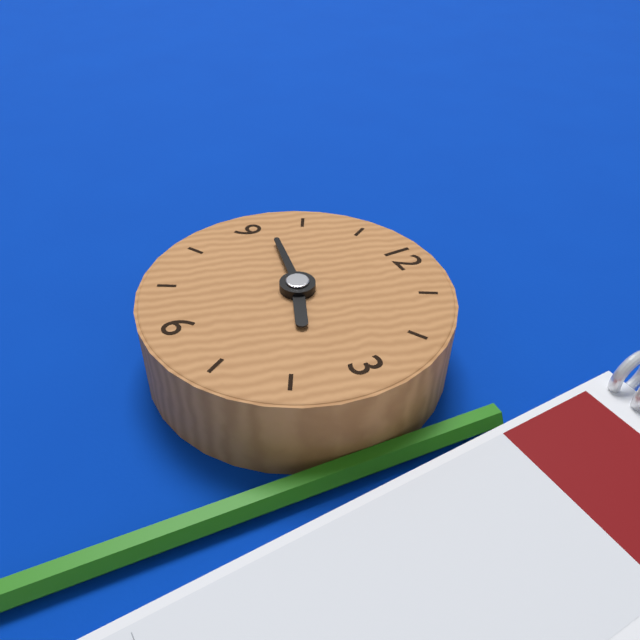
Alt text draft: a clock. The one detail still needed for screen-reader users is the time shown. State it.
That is 3:47
